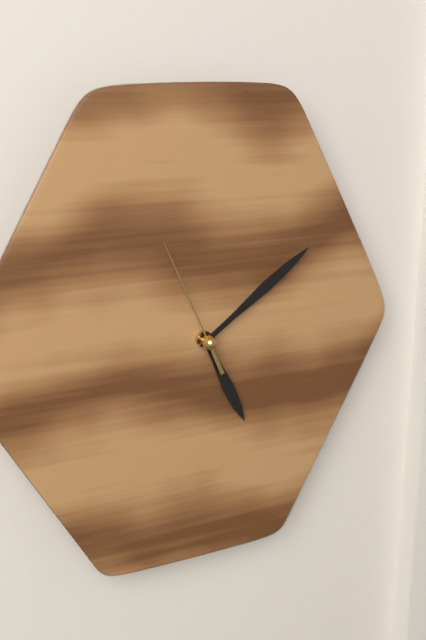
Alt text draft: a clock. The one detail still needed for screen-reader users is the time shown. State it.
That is 5:09:56
